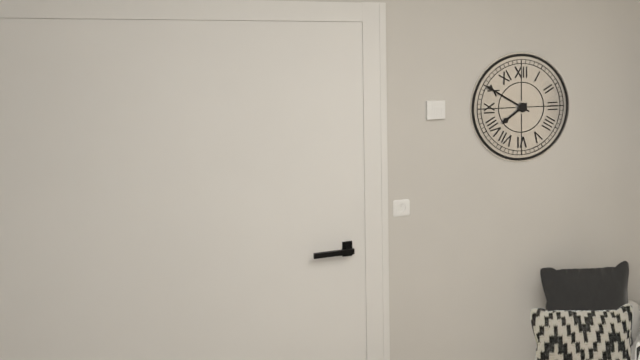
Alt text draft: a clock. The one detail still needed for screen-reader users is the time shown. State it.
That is 7:50
